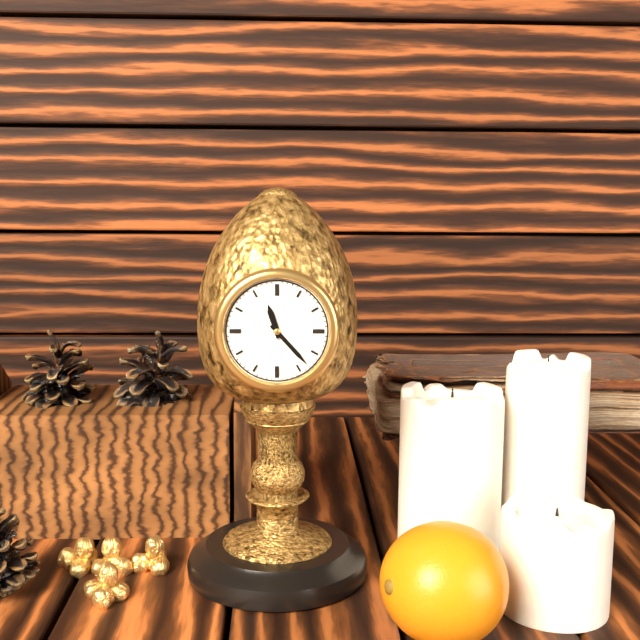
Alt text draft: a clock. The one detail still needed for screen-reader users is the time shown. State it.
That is 11:23
